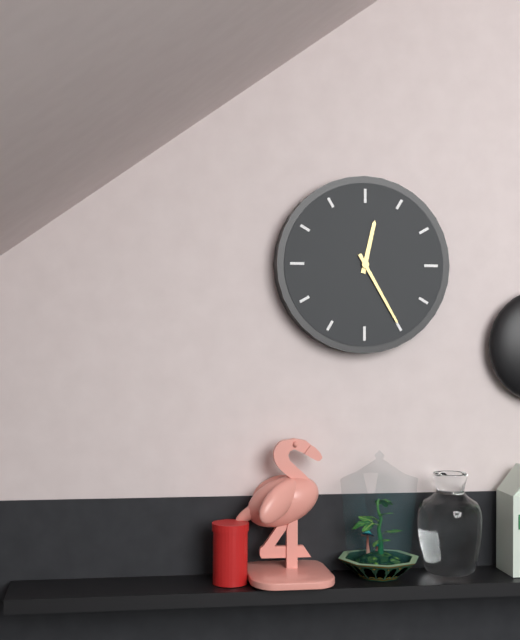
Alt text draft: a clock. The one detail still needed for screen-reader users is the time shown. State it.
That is 12:25
